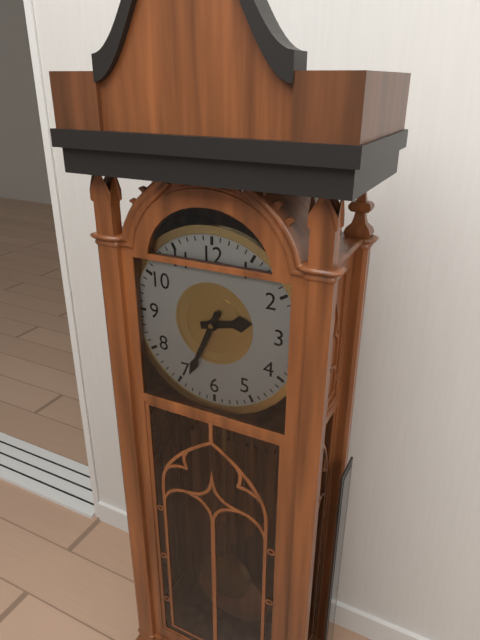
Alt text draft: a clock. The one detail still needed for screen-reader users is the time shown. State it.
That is 2:34
